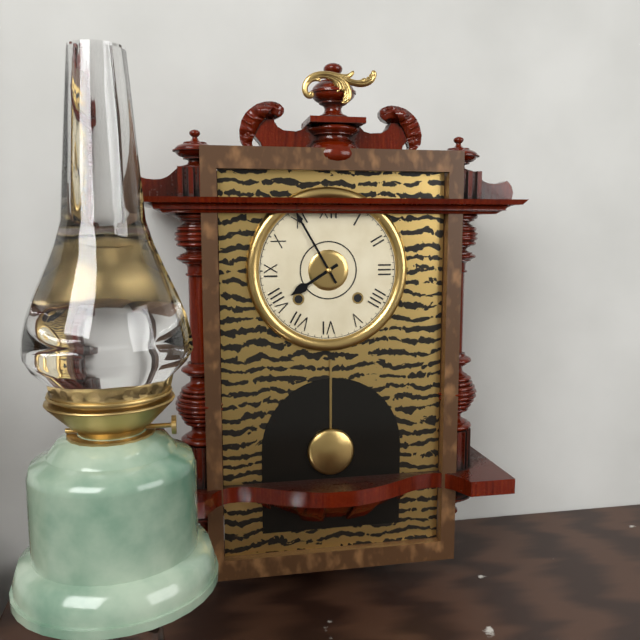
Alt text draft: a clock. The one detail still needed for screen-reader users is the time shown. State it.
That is 7:55
